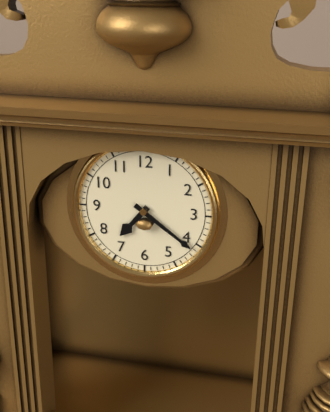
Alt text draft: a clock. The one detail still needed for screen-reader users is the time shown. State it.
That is 7:21
